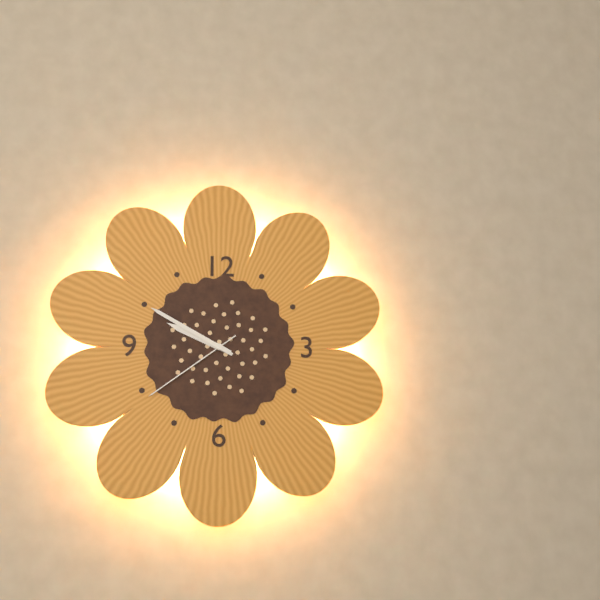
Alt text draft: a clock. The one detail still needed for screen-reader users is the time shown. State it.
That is 9:50:39
